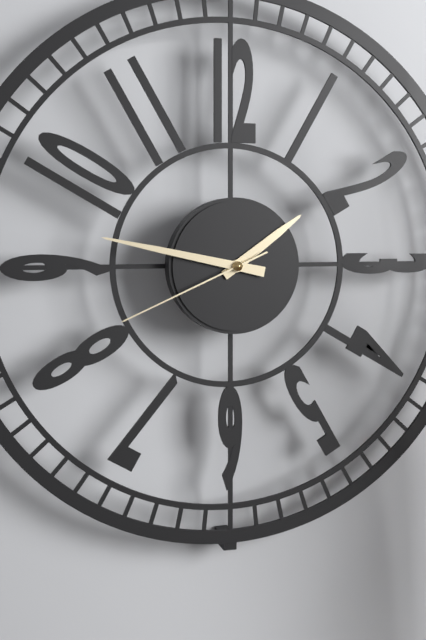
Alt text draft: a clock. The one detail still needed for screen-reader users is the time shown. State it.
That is 1:47:41
